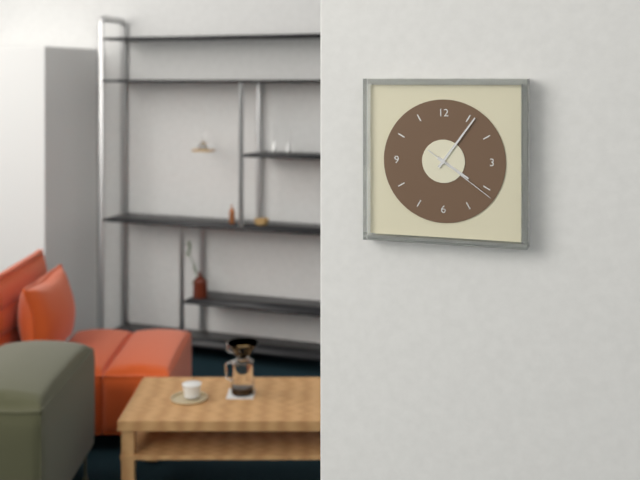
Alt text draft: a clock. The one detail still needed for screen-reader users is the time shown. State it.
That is 4:06:21
